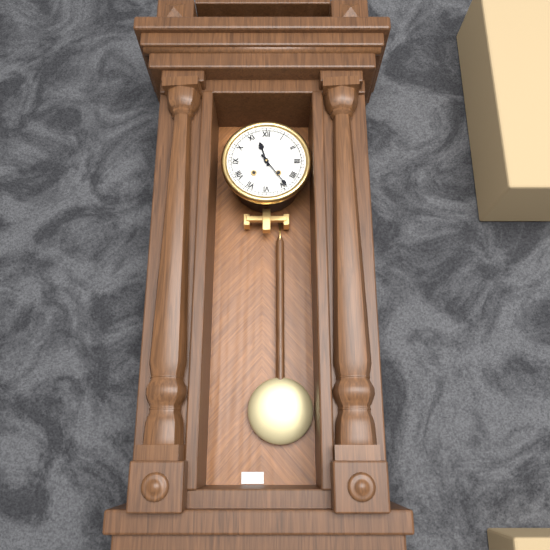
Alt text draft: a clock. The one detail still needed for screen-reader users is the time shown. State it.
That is 11:24
